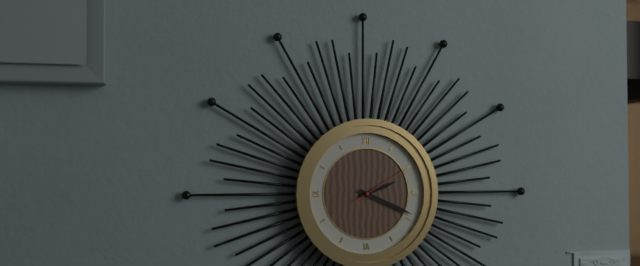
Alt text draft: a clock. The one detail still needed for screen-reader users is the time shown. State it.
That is 2:19:10
